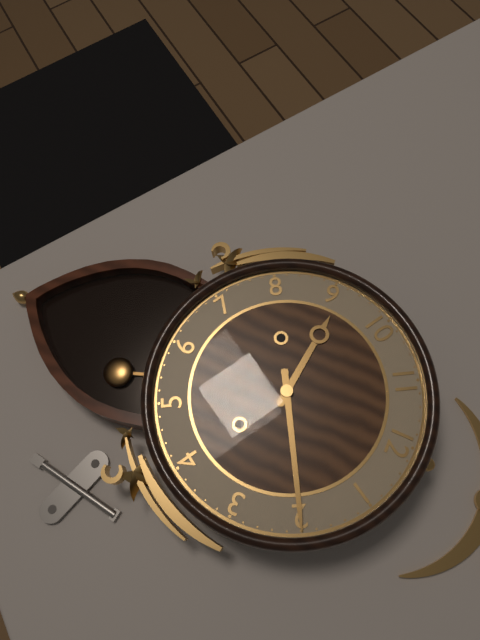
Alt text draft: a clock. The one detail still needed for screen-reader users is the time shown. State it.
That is 9:10
